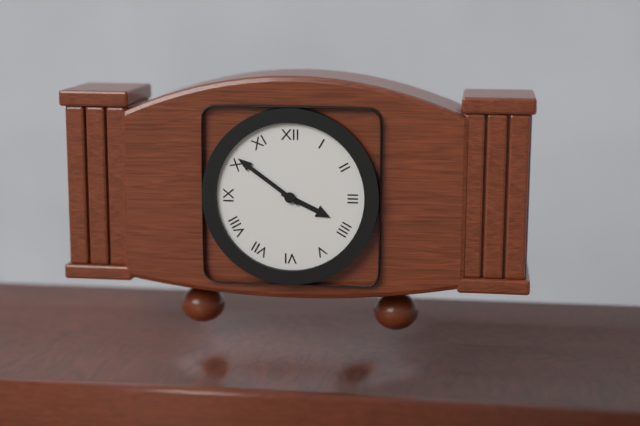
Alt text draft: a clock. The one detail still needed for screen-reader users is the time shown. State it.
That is 3:51
